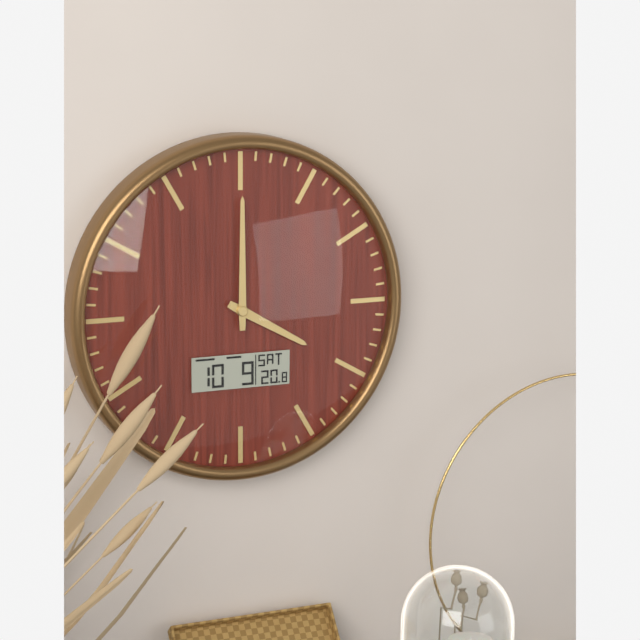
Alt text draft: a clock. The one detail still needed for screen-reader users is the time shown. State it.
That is 4:00
